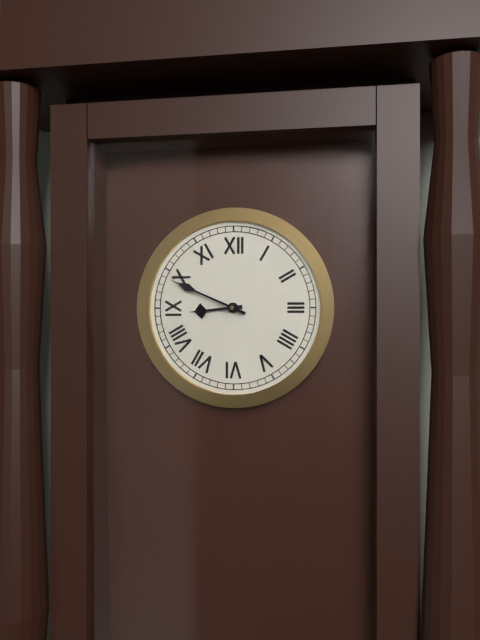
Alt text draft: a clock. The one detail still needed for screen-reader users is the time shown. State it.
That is 8:49
